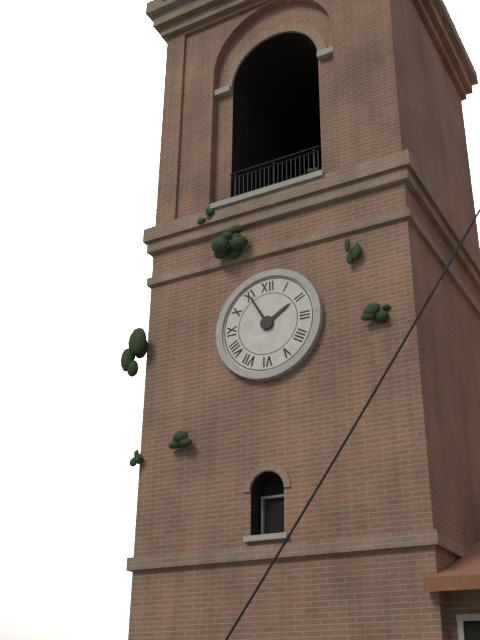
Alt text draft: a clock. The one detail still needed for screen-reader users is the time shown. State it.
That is 1:55
